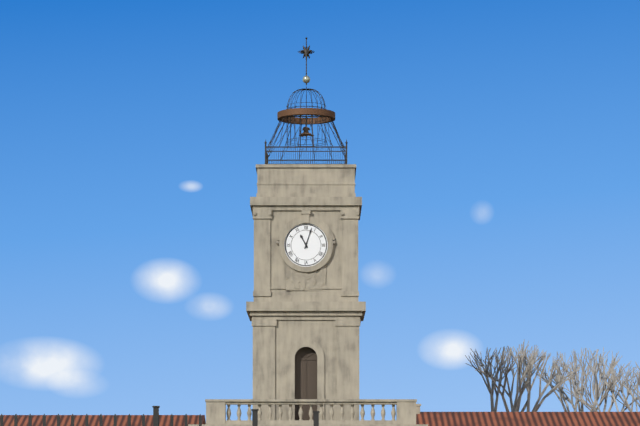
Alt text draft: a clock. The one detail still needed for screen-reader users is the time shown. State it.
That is 11:03
